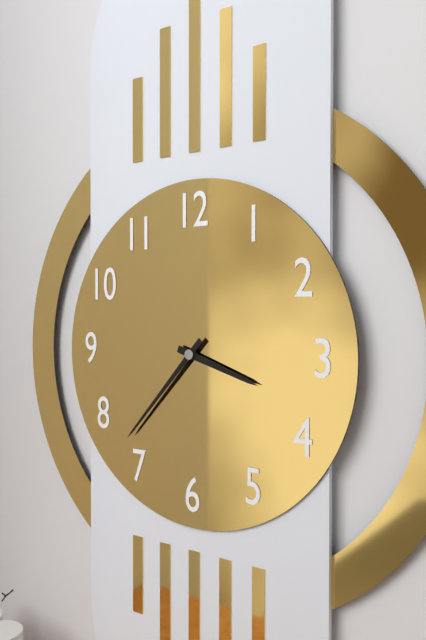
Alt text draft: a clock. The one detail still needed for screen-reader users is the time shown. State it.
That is 3:37
